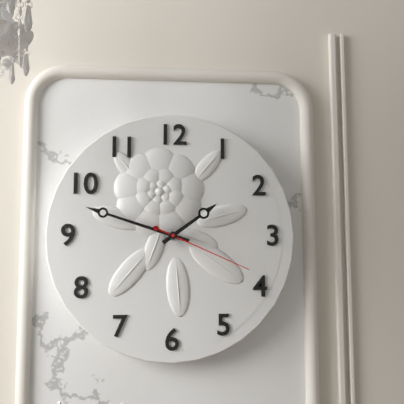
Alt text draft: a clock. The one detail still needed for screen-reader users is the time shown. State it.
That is 1:48:19
